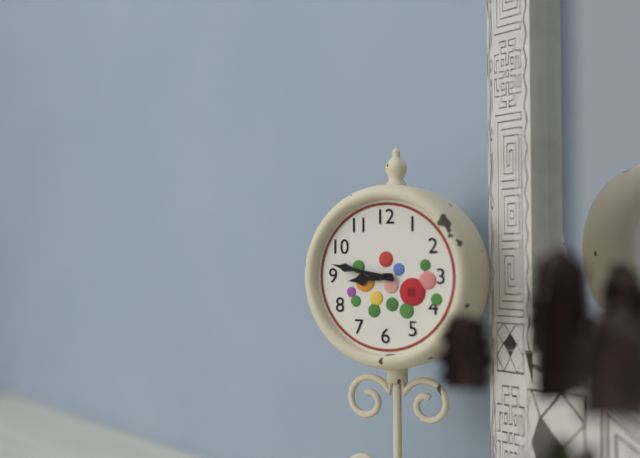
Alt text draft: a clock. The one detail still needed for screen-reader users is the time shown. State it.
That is 8:47
